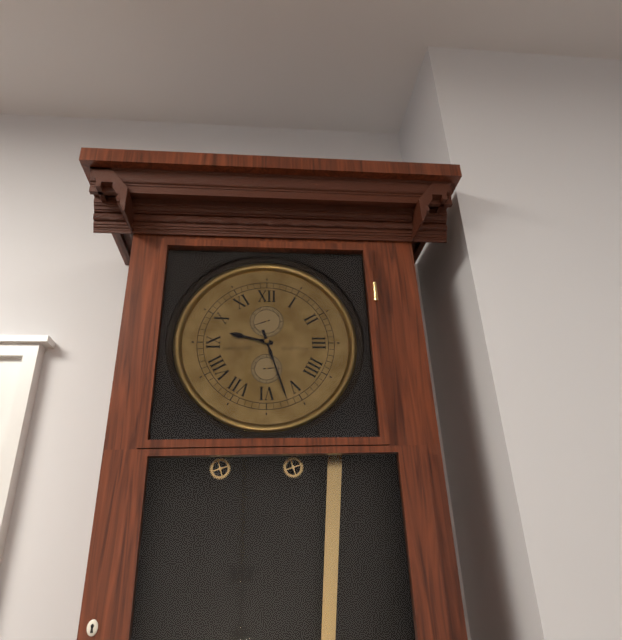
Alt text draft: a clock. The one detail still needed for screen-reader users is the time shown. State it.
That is 9:27
